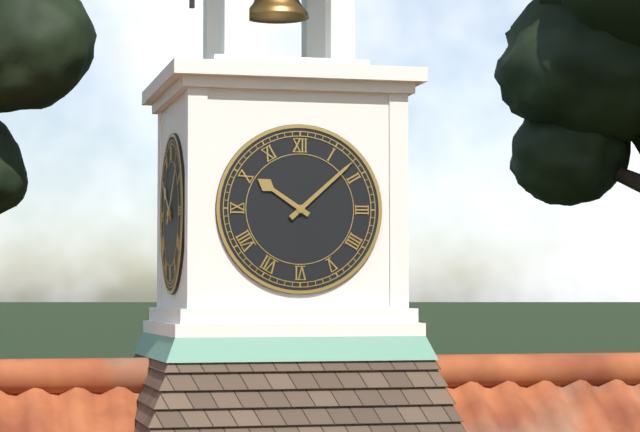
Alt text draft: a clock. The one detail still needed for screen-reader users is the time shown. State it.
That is 10:08
